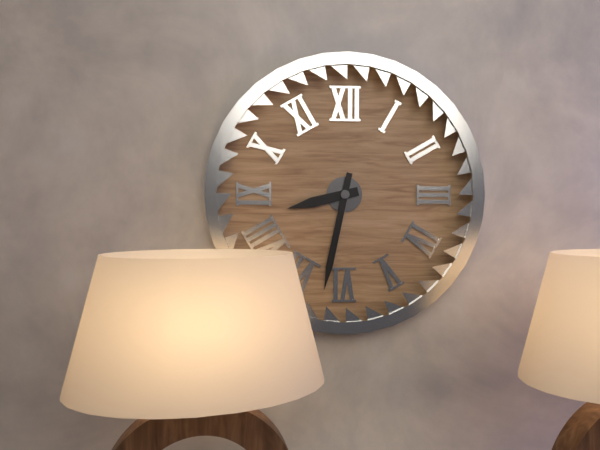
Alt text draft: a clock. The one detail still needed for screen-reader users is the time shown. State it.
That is 8:32
